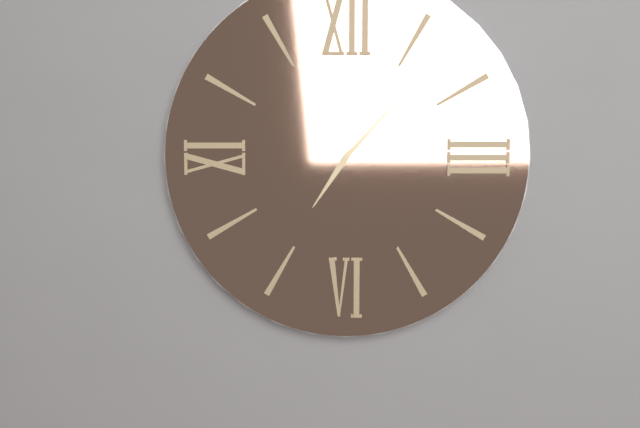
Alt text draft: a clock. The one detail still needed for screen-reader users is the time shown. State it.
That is 7:07
